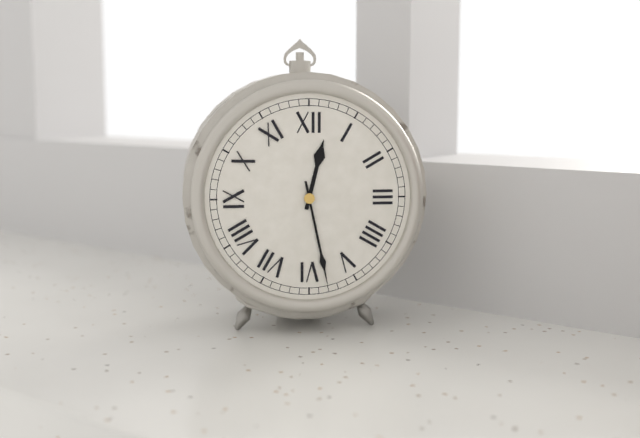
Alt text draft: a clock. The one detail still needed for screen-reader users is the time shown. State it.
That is 12:28
